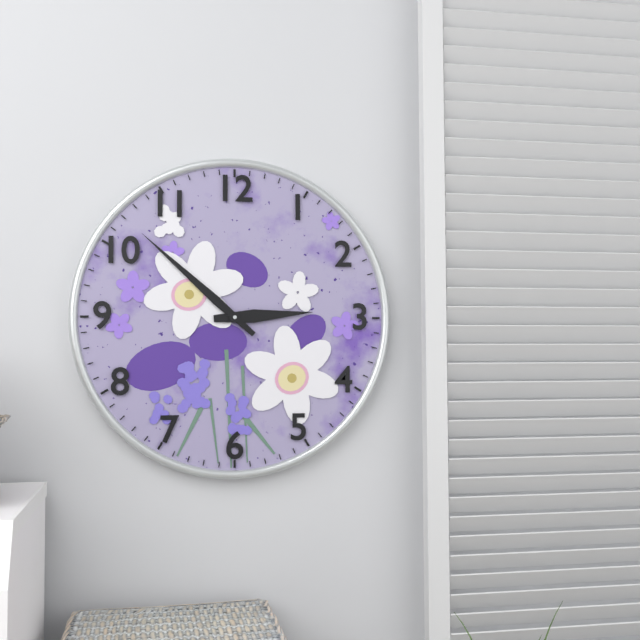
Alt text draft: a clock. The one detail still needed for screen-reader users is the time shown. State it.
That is 2:52
